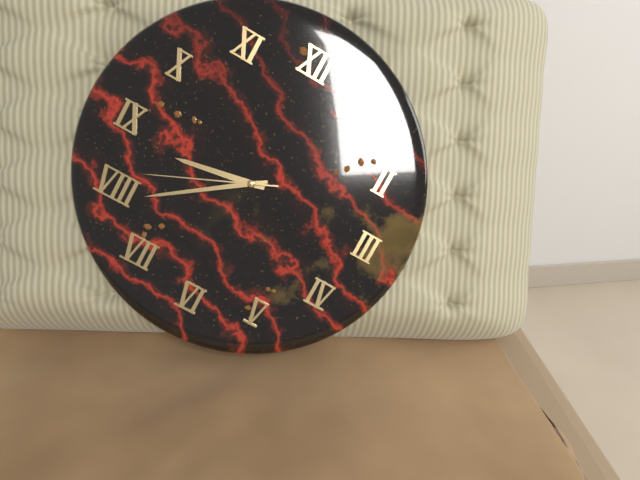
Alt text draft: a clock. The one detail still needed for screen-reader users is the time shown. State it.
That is 8:39:41
